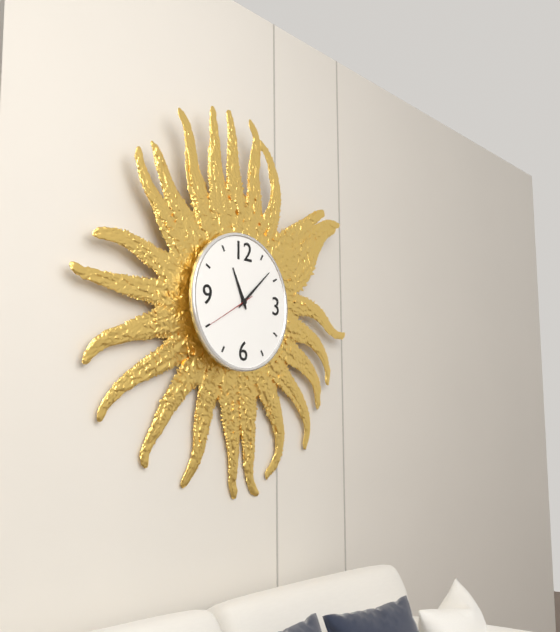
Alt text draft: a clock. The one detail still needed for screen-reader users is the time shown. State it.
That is 11:08:40
